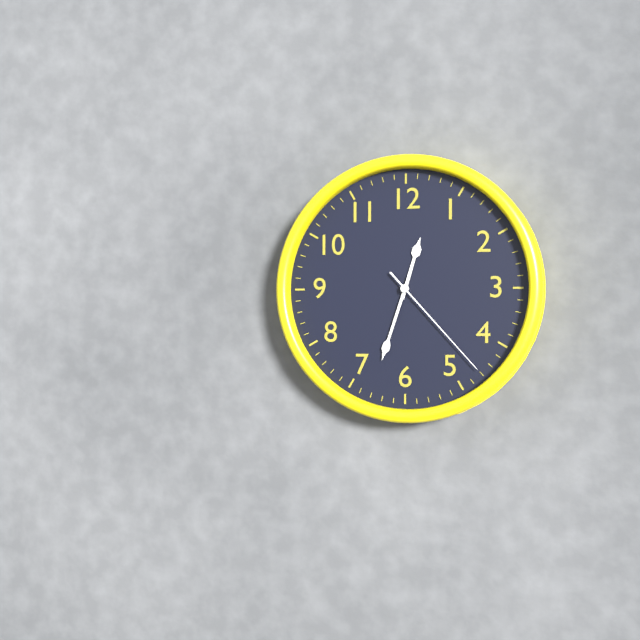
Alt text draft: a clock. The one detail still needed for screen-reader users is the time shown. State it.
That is 12:33:23
